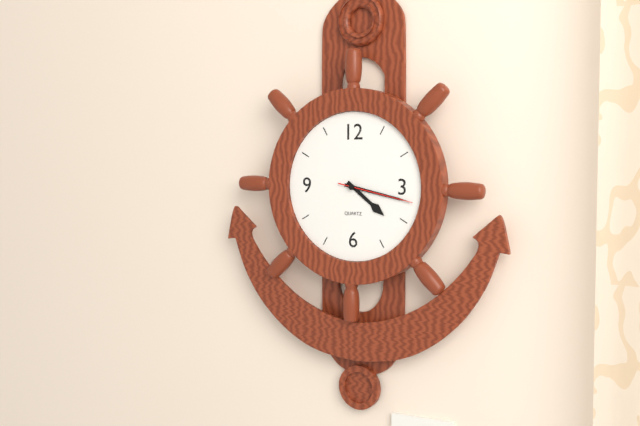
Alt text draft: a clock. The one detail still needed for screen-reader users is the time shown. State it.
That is 4:17:17
